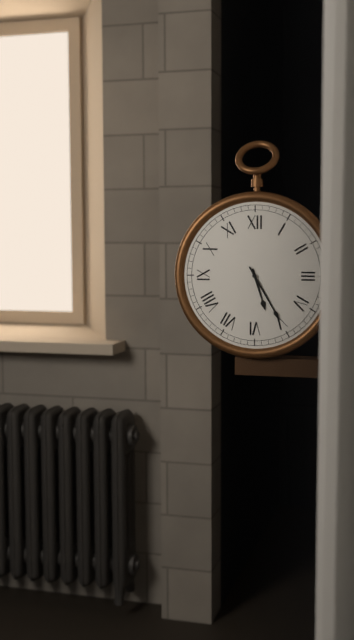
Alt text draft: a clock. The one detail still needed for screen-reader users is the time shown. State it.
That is 5:25
